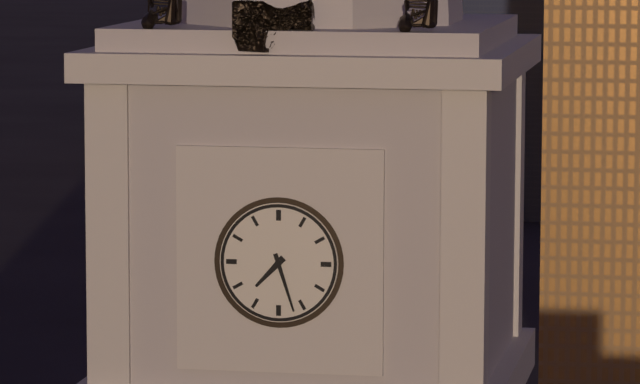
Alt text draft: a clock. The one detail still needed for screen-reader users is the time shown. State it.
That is 7:27
